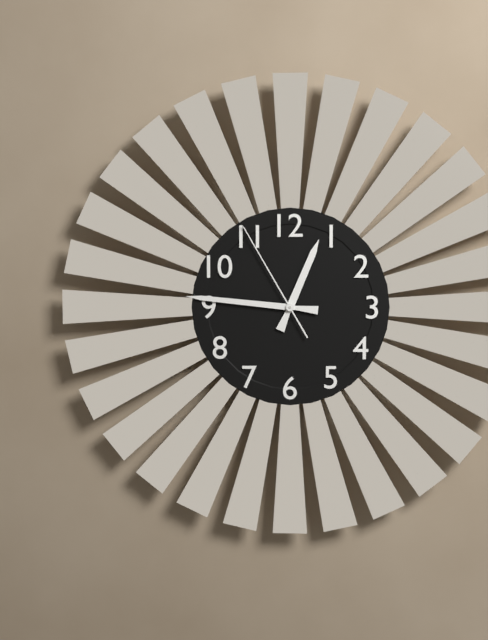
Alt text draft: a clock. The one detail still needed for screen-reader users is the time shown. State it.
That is 12:46:55
